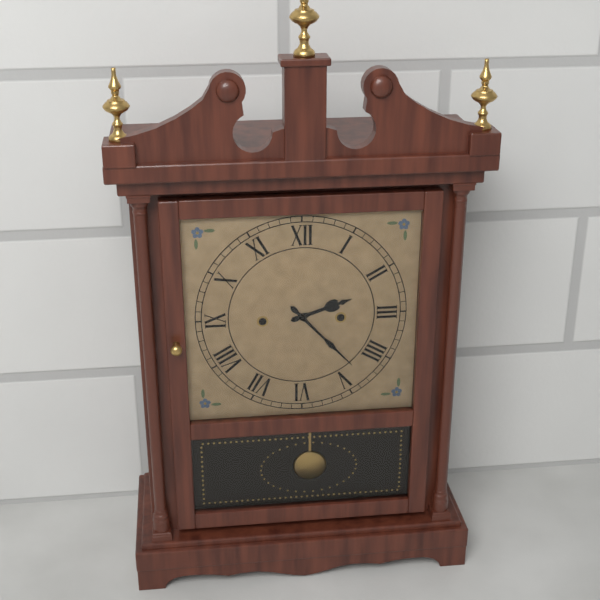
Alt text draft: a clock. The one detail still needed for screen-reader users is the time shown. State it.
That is 2:23
